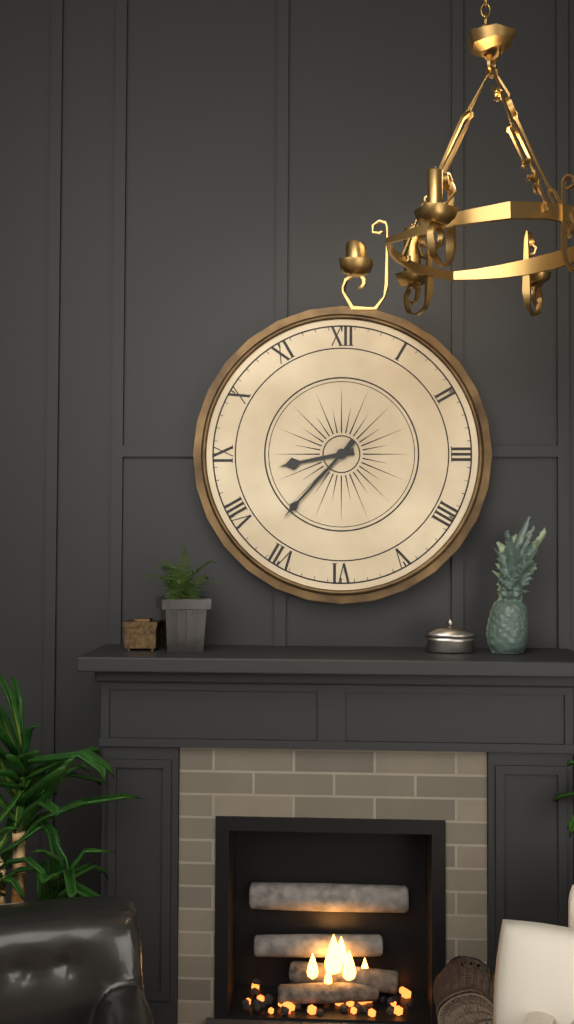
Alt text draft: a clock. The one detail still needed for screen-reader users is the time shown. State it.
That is 8:37
